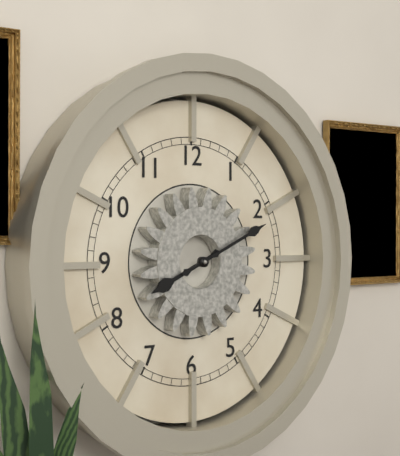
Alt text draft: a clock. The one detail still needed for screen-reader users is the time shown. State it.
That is 8:11
